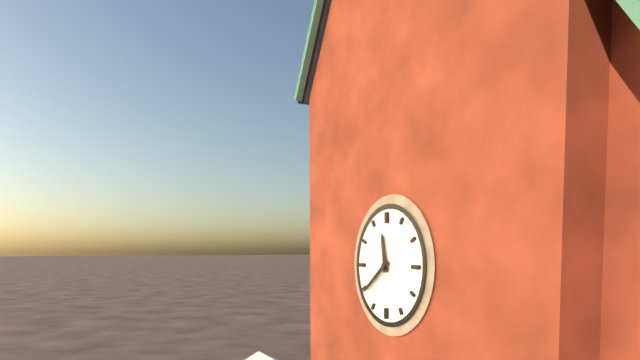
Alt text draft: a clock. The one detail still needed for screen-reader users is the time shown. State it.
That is 11:39
